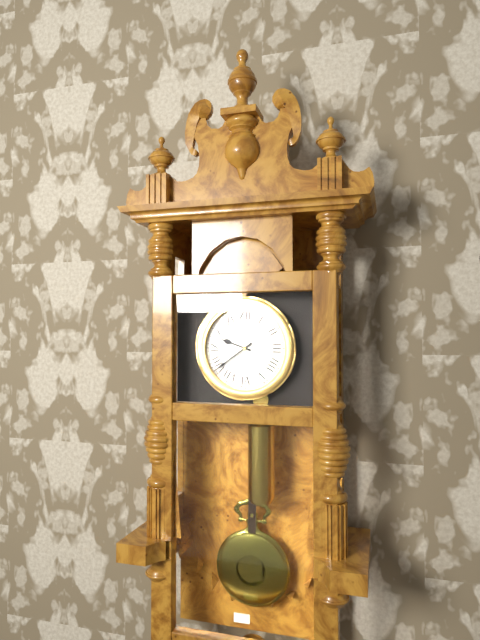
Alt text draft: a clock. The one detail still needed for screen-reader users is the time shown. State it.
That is 9:39
